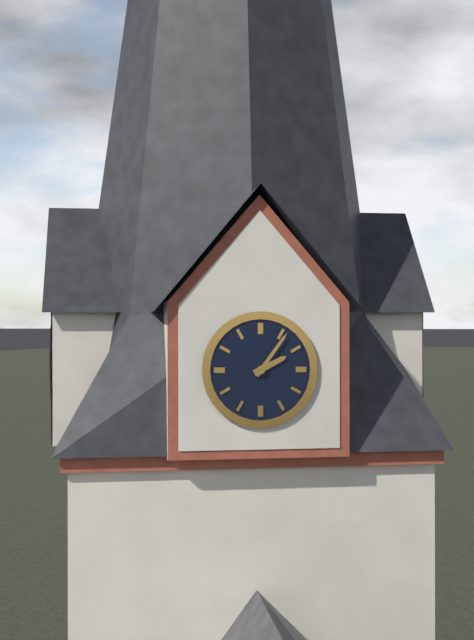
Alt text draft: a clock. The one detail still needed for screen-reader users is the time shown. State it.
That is 2:06
